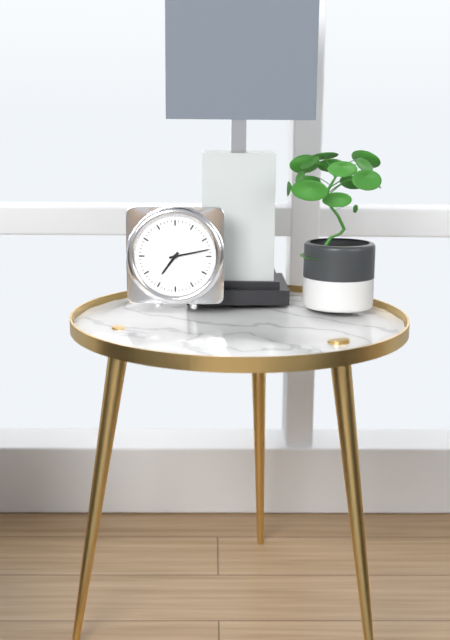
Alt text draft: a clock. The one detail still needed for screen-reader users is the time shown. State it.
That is 7:13
